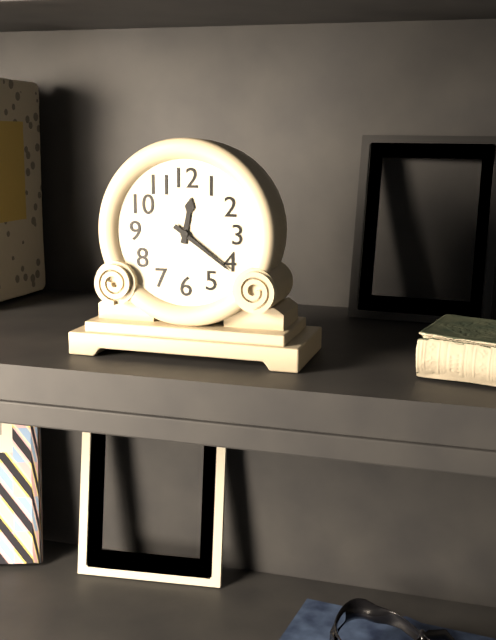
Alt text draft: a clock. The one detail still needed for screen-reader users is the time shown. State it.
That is 12:21
